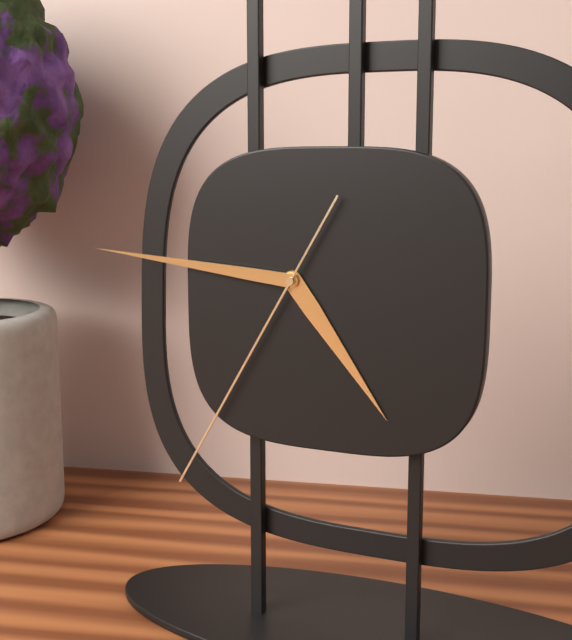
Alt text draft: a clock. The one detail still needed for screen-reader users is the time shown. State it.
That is 4:46:35
